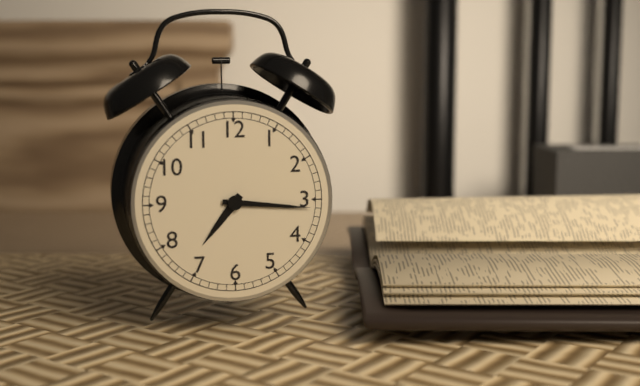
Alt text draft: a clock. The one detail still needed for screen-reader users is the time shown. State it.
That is 7:16
